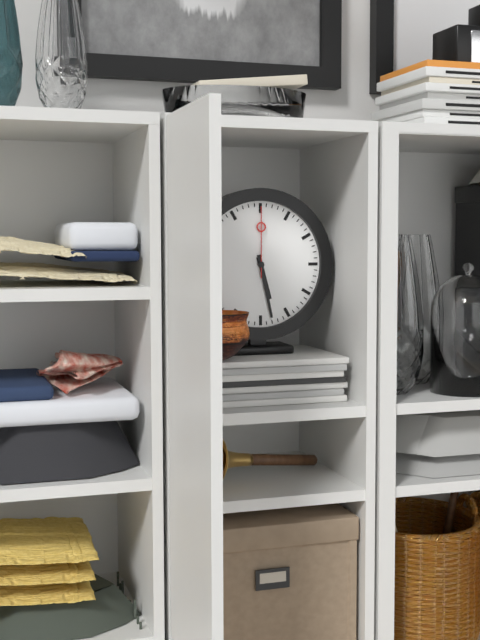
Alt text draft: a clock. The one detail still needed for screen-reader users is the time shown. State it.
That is 5:28:00
